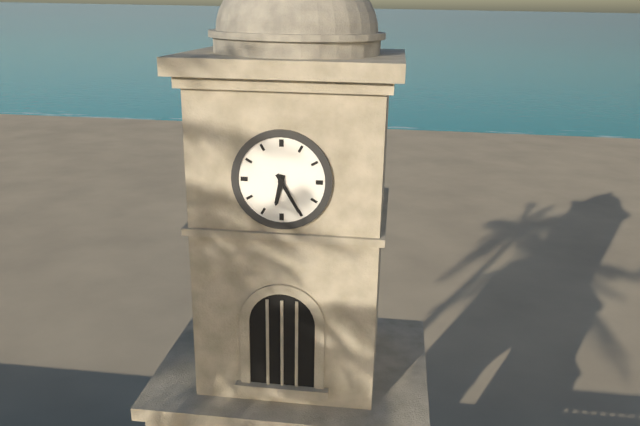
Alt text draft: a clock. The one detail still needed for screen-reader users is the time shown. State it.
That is 6:25
